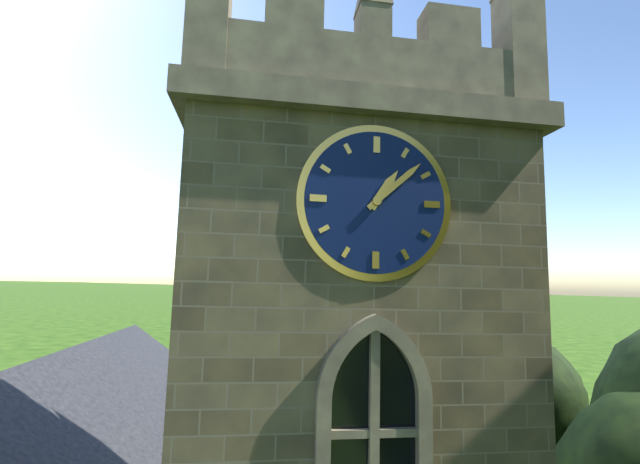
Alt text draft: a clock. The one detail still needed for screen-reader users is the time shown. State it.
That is 1:08
